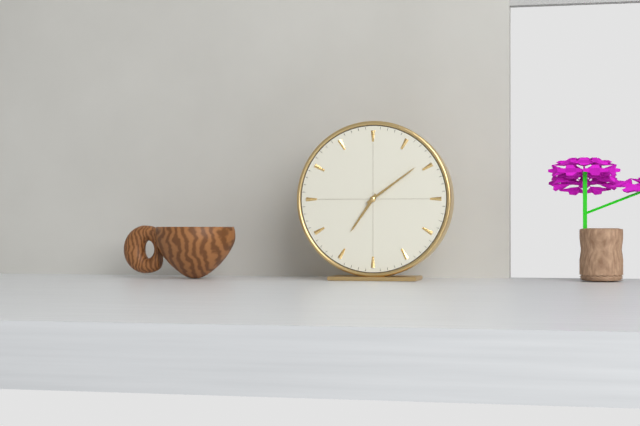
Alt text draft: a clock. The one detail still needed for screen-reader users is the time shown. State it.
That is 7:09
